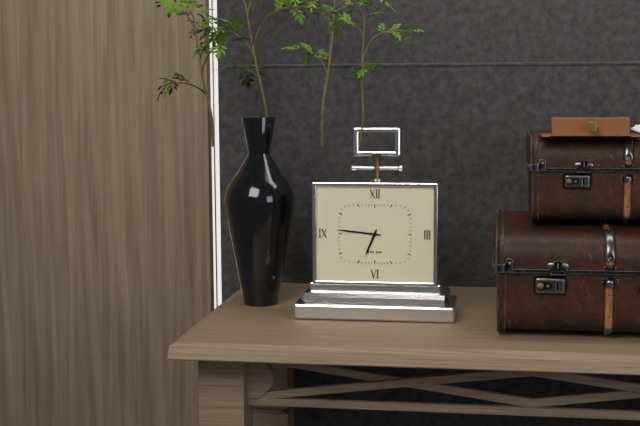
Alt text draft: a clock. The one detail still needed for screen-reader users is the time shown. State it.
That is 6:46
